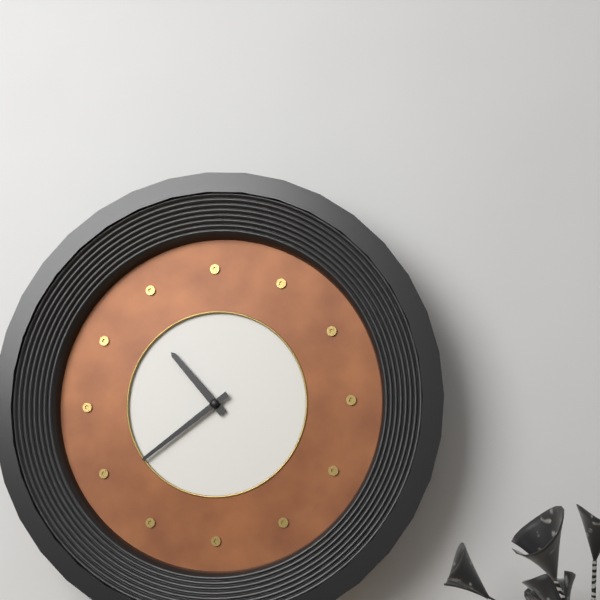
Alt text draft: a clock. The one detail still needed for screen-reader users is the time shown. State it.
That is 10:39
